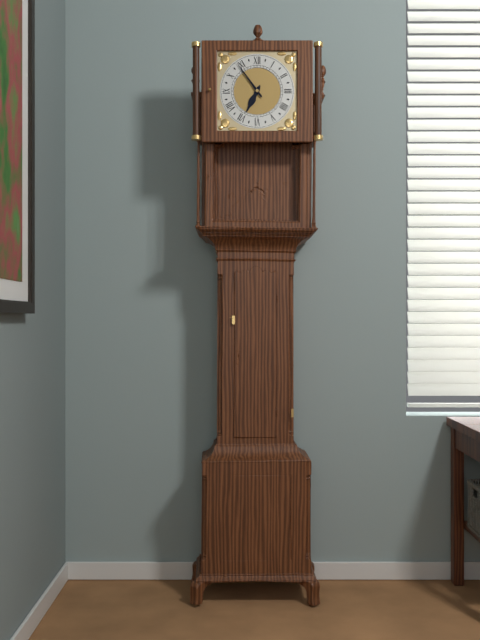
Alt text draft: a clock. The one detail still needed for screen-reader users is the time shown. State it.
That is 6:54
